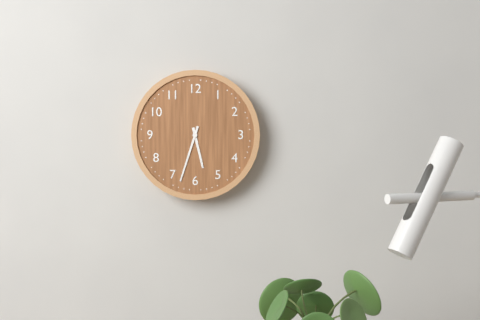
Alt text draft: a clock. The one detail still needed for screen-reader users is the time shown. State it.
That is 5:33
